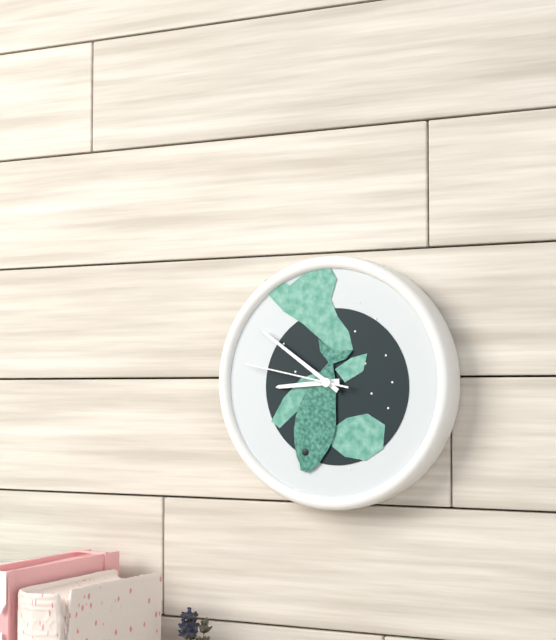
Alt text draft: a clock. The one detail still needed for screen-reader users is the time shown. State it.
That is 8:51:47
